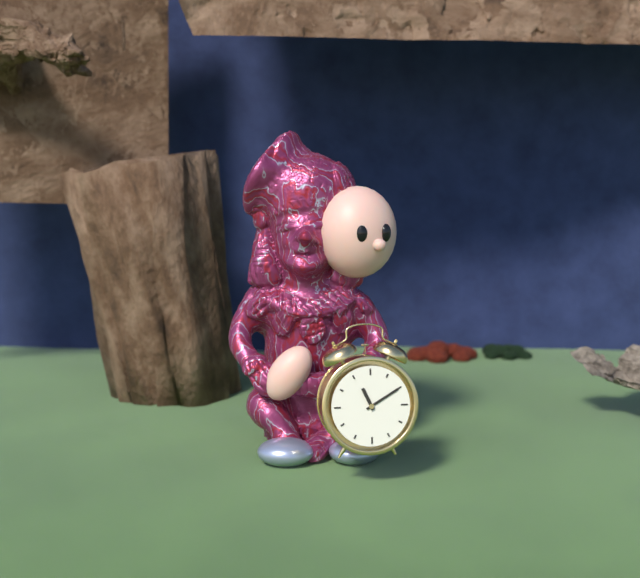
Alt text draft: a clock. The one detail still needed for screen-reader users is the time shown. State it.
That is 11:10
